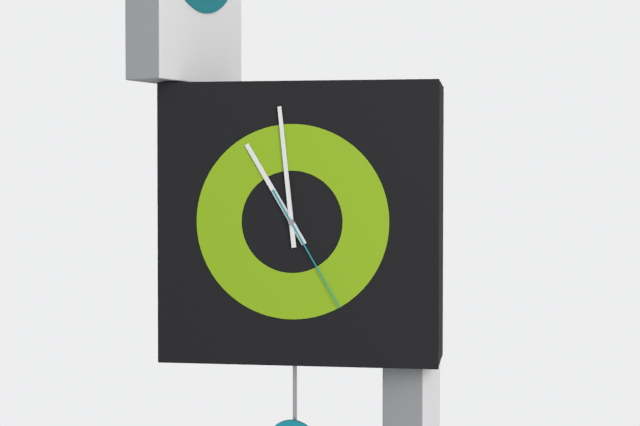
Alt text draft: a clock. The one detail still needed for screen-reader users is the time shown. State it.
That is 10:59:25
